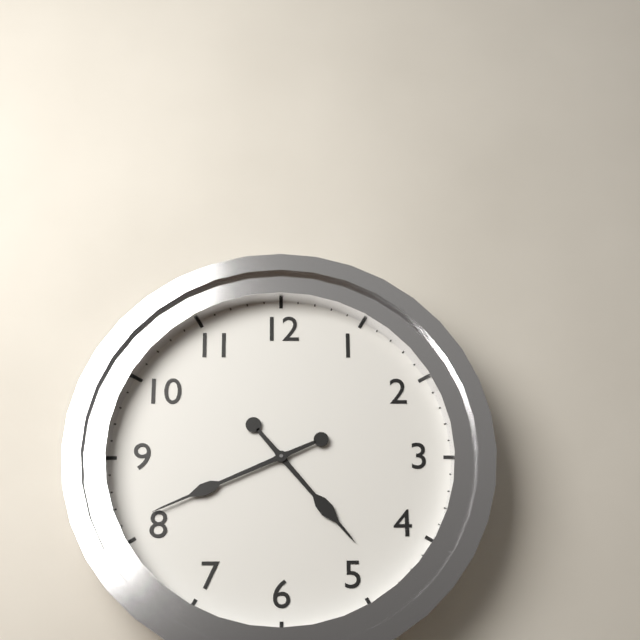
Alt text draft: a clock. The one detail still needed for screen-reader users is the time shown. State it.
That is 4:41
